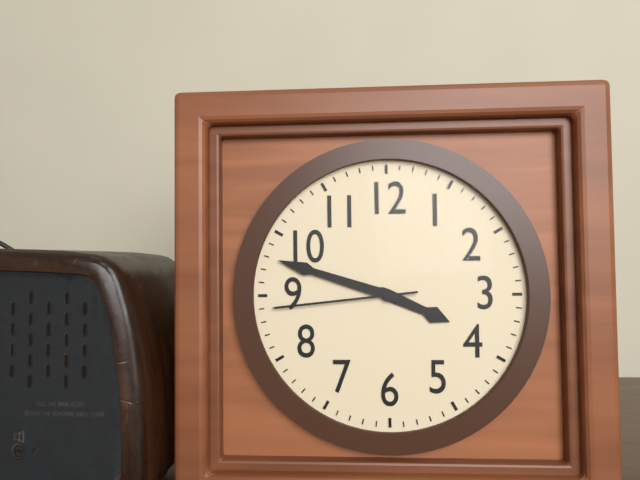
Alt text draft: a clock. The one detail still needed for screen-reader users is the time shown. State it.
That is 3:48:44
